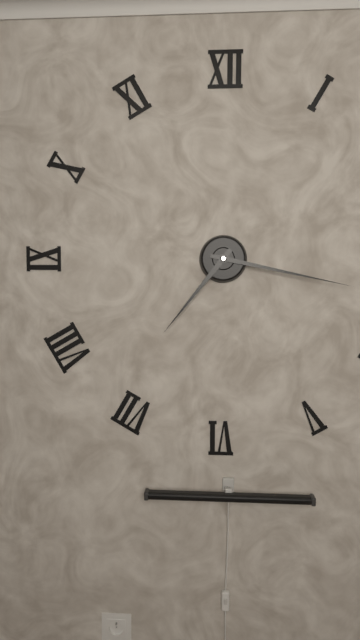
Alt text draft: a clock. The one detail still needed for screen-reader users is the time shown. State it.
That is 7:17
